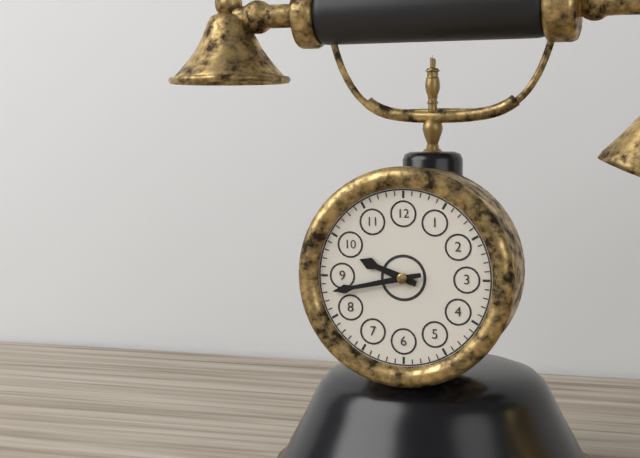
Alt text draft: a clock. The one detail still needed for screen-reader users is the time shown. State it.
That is 9:43
